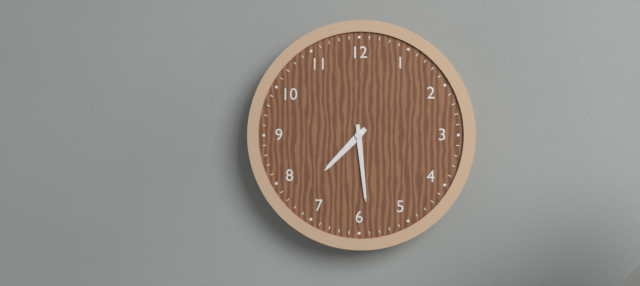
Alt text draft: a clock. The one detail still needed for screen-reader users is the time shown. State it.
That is 7:29
